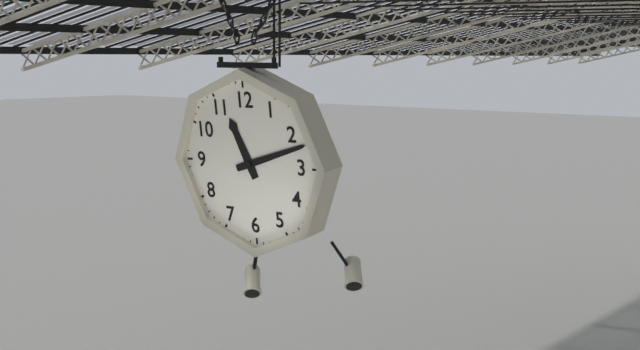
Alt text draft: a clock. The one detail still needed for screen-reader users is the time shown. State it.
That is 11:12
